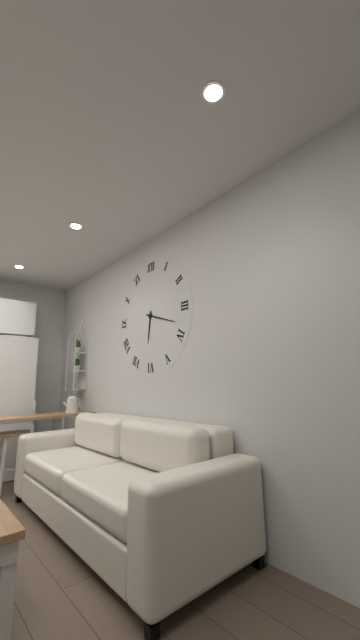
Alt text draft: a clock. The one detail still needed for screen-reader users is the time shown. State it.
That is 6:18
